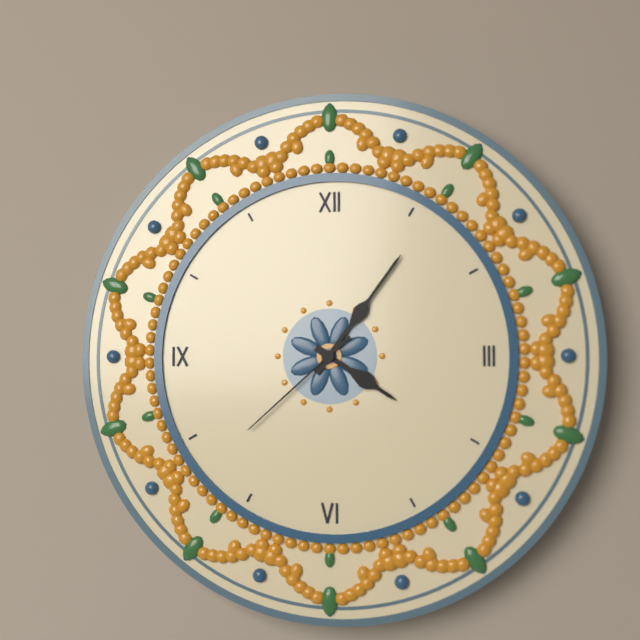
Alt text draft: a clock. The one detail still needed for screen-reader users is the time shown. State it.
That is 4:06:38
